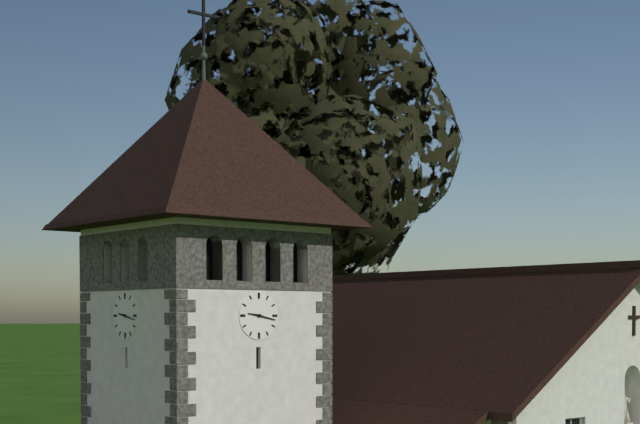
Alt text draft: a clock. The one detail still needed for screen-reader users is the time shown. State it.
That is 9:17
